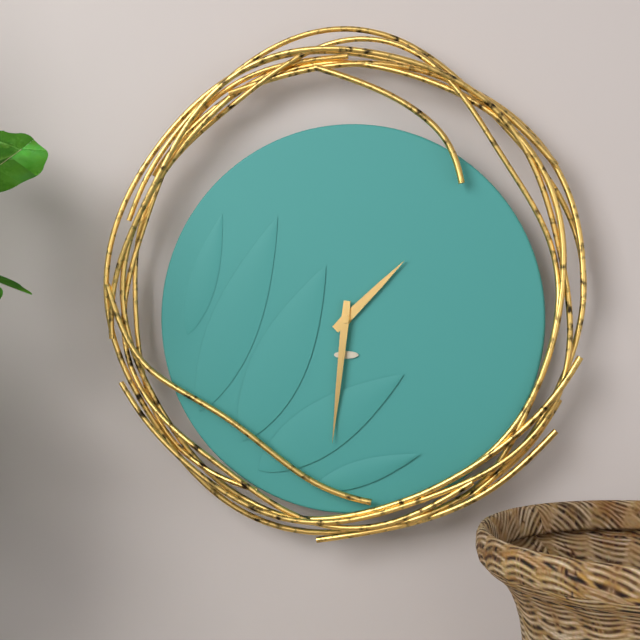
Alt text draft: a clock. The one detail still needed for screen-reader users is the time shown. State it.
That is 1:31
